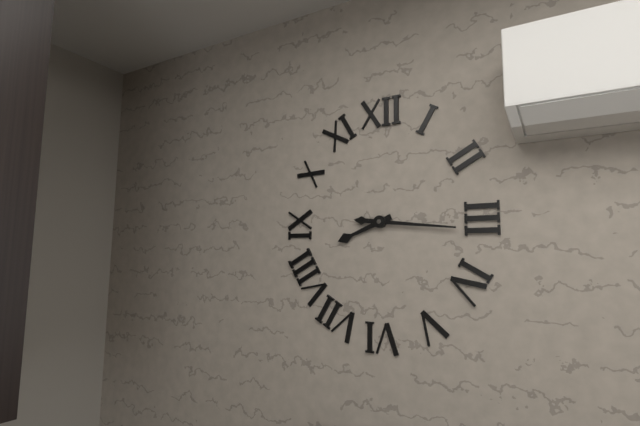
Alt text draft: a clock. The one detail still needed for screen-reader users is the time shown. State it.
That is 8:16
